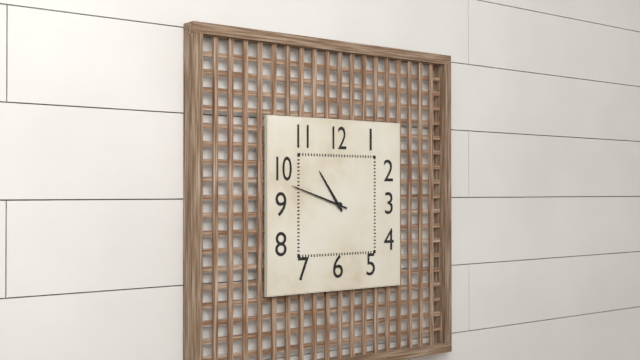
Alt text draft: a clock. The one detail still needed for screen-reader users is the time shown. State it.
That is 10:48
